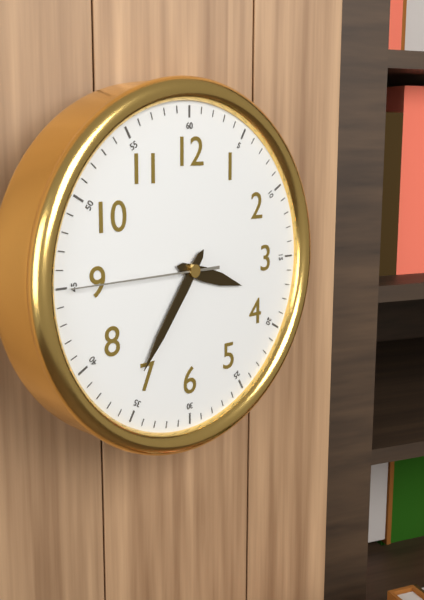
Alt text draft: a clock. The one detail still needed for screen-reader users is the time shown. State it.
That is 3:36:45
